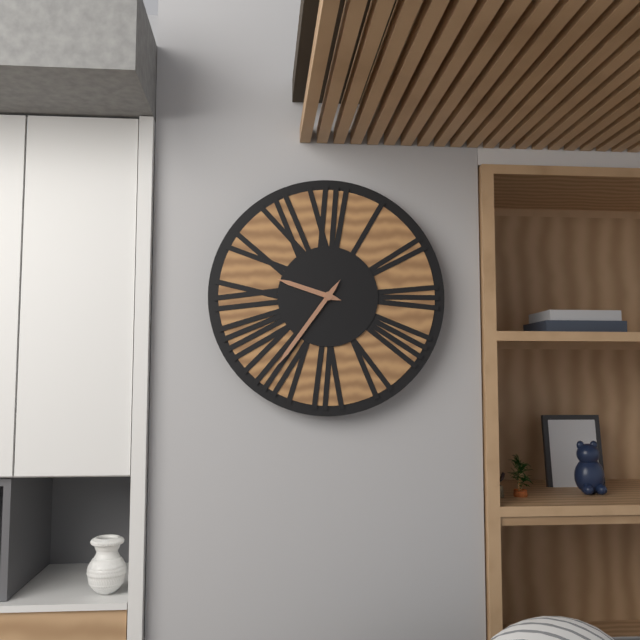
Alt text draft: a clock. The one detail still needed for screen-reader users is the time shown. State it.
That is 9:36
